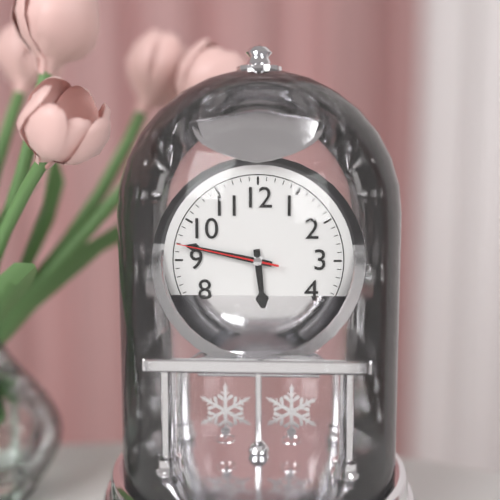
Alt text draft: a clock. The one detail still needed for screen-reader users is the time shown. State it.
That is 5:47:47
